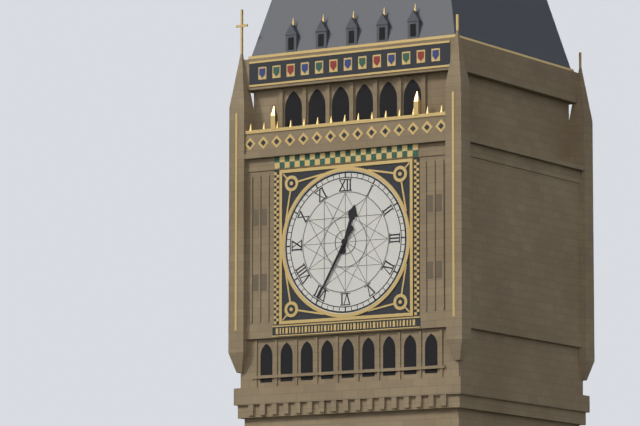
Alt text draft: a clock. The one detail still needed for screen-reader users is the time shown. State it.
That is 12:35
